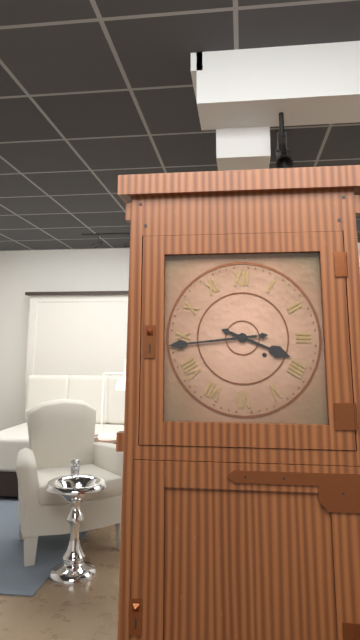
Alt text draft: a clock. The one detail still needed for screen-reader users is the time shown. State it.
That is 3:44
